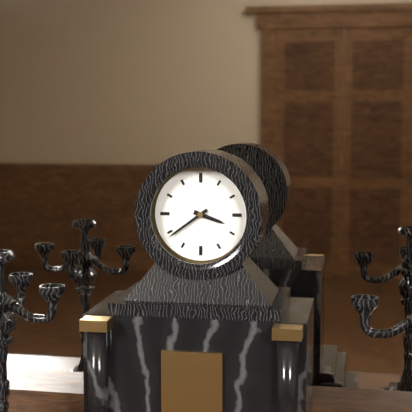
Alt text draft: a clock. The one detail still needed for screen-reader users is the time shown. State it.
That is 3:39
